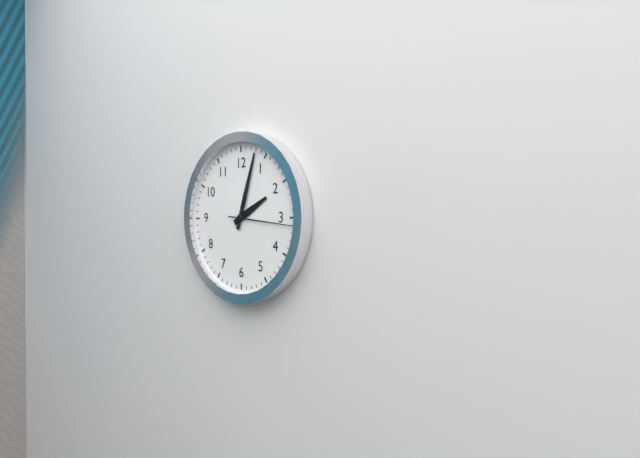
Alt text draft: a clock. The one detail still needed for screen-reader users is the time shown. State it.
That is 2:03:16
